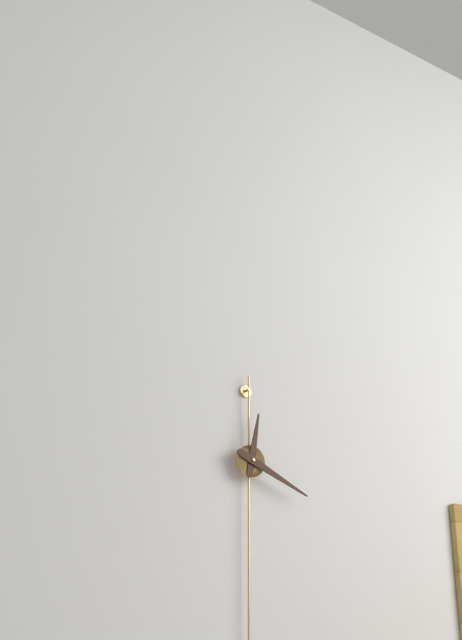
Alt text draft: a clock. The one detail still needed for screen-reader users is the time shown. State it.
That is 12:19
